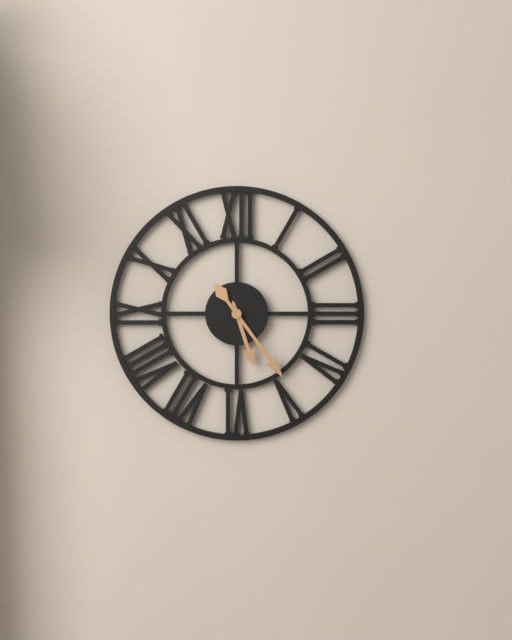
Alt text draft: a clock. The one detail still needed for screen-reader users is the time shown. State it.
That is 5:24
